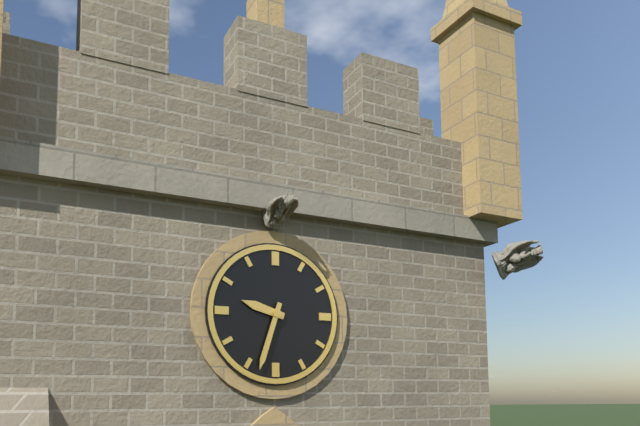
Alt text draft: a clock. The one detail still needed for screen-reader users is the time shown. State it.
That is 9:33
